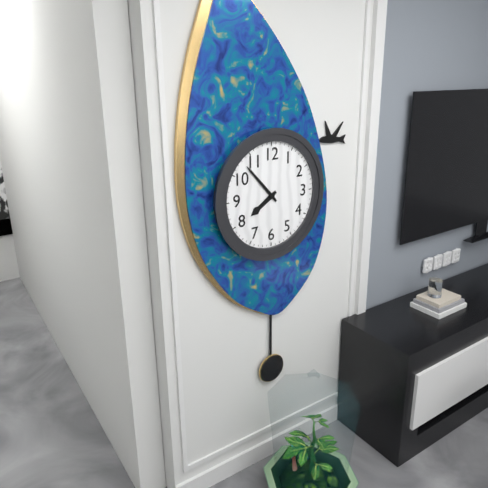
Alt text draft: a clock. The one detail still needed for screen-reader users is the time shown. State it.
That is 7:53
